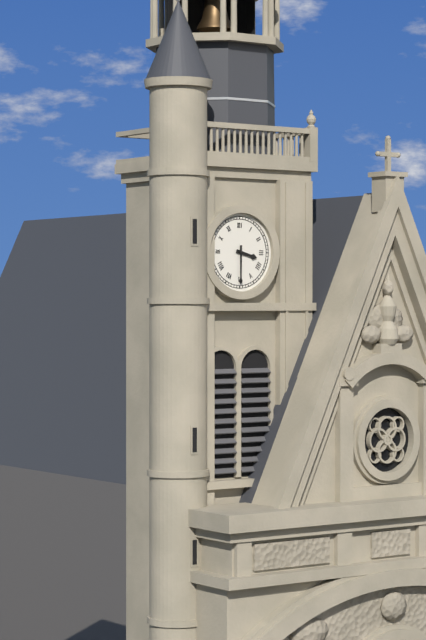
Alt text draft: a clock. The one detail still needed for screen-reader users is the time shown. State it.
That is 3:30
